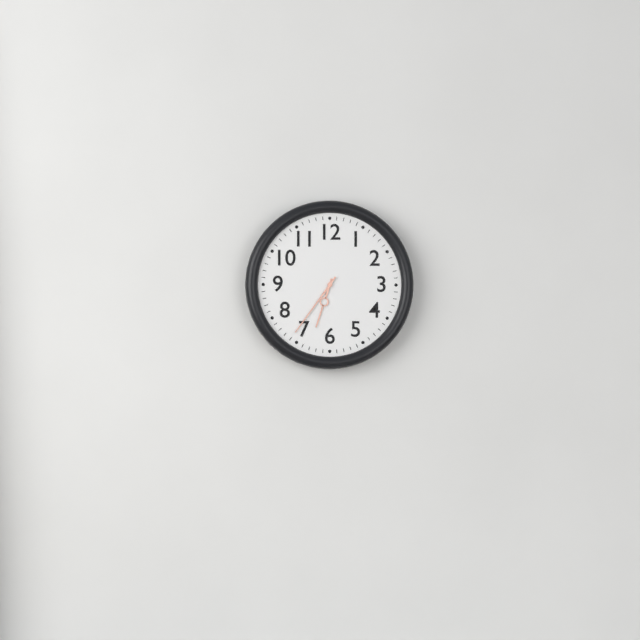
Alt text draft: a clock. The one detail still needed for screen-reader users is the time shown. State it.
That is 6:36
